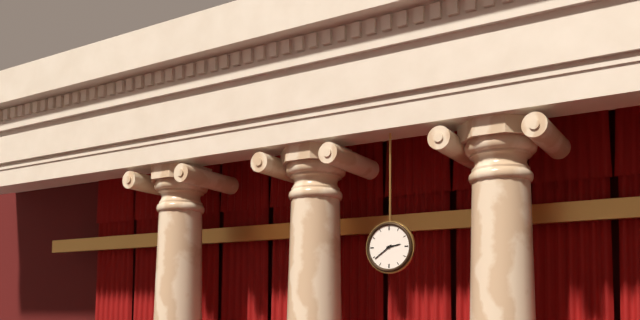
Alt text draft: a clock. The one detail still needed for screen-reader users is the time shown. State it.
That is 2:39
